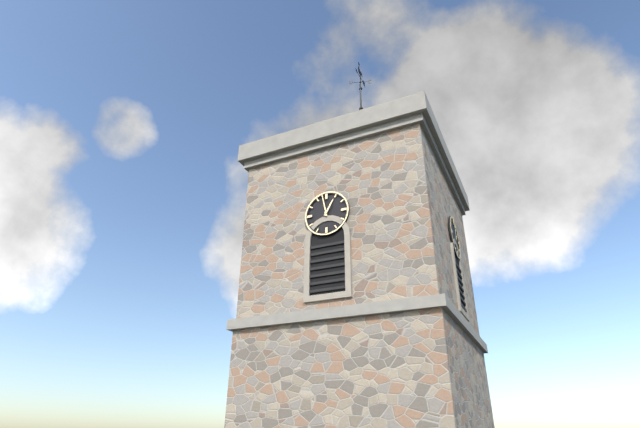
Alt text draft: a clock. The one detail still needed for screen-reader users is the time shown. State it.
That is 12:58
